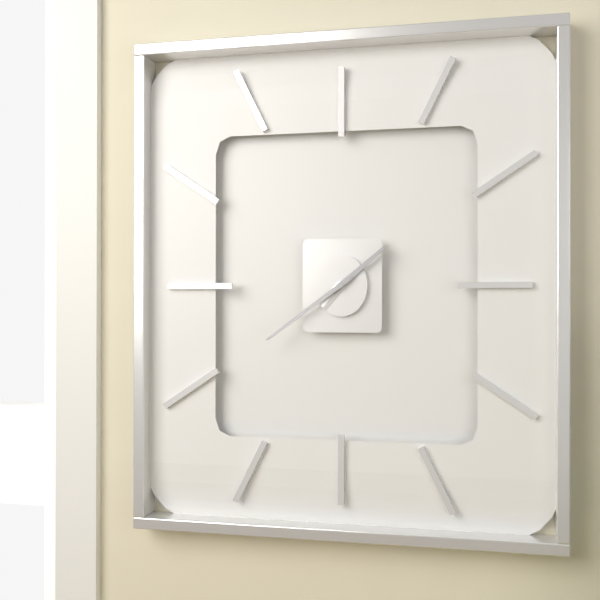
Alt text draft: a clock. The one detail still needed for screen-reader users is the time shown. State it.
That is 1:39
